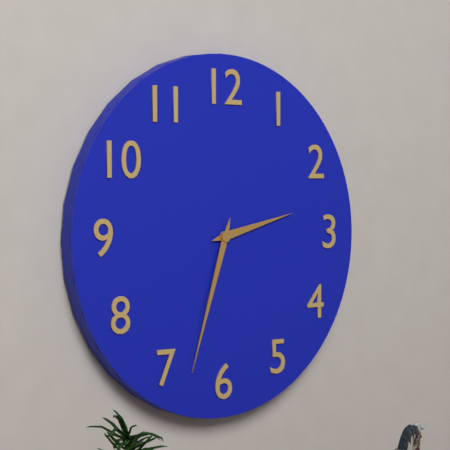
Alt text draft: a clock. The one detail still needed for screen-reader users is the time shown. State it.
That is 2:33
